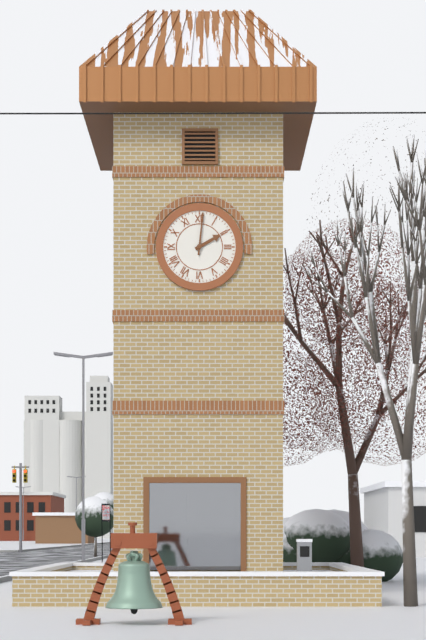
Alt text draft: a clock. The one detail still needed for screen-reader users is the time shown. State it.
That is 2:01
